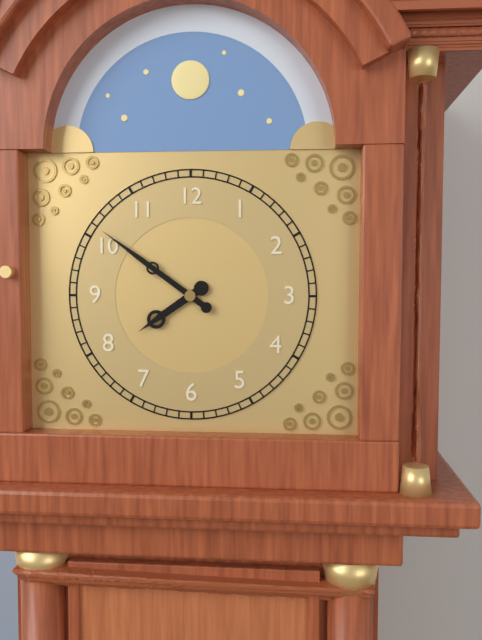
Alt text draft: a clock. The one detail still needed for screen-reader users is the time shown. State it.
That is 7:51
